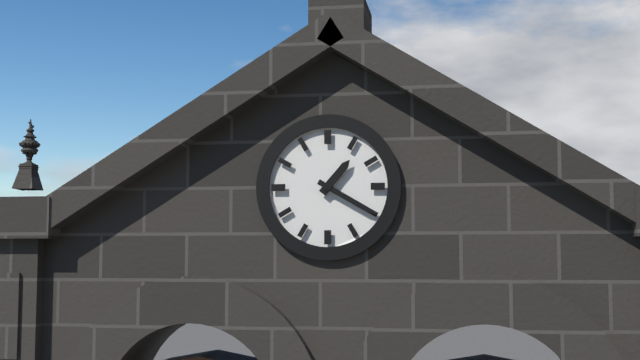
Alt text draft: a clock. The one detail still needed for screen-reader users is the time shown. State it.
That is 1:20
